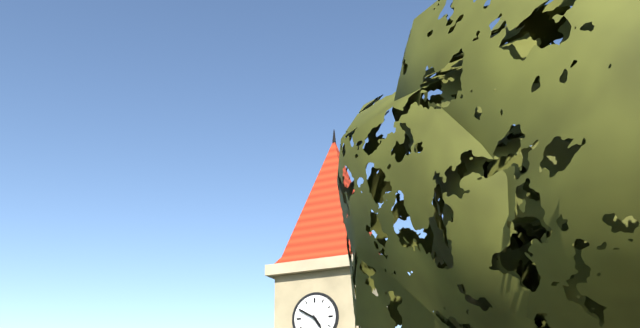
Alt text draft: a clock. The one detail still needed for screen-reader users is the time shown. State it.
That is 4:50
